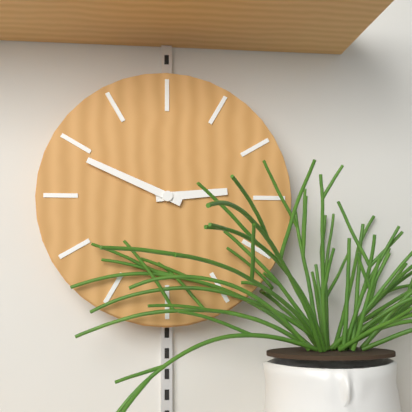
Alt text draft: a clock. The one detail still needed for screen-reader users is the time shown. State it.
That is 2:49
